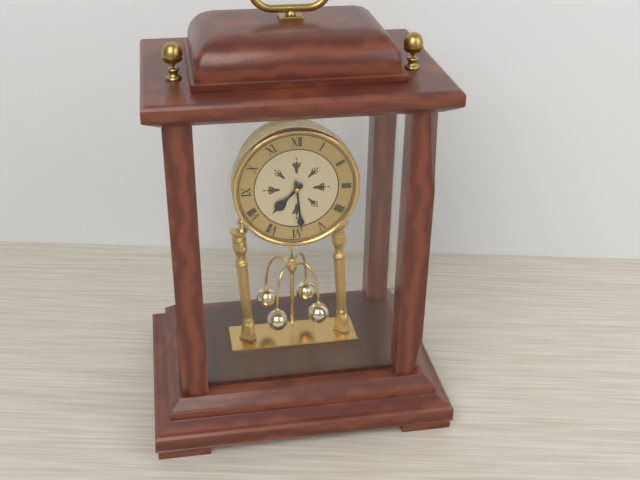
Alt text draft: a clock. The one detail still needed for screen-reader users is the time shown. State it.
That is 7:29
